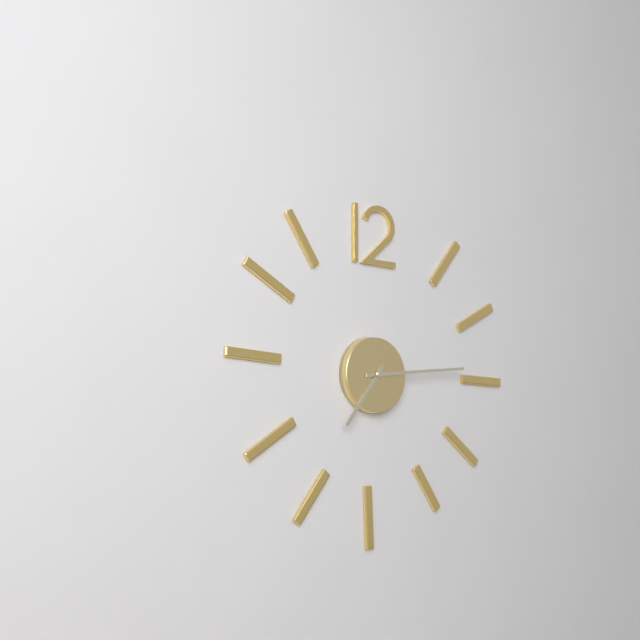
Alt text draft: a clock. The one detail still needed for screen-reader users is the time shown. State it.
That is 7:14
